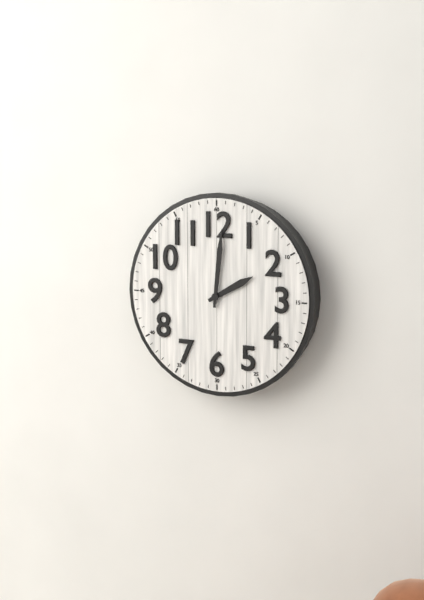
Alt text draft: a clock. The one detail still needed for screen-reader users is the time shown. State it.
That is 2:01
